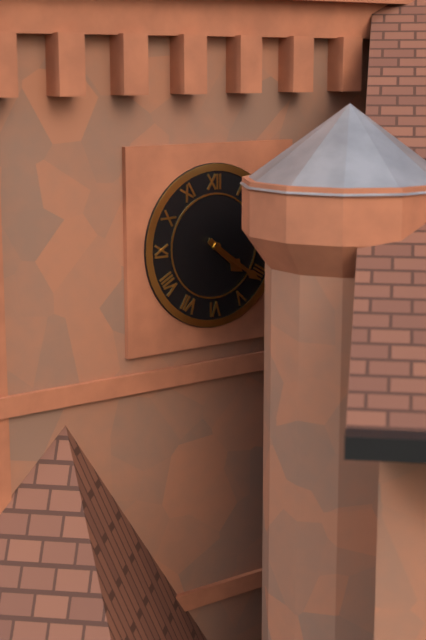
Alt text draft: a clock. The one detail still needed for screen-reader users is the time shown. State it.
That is 4:21
